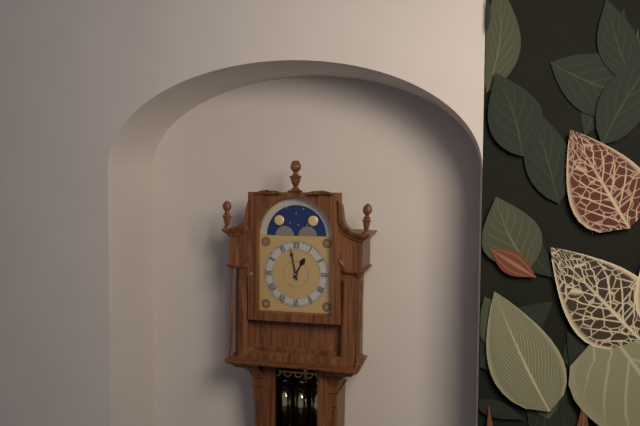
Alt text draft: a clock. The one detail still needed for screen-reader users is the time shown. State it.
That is 12:58
